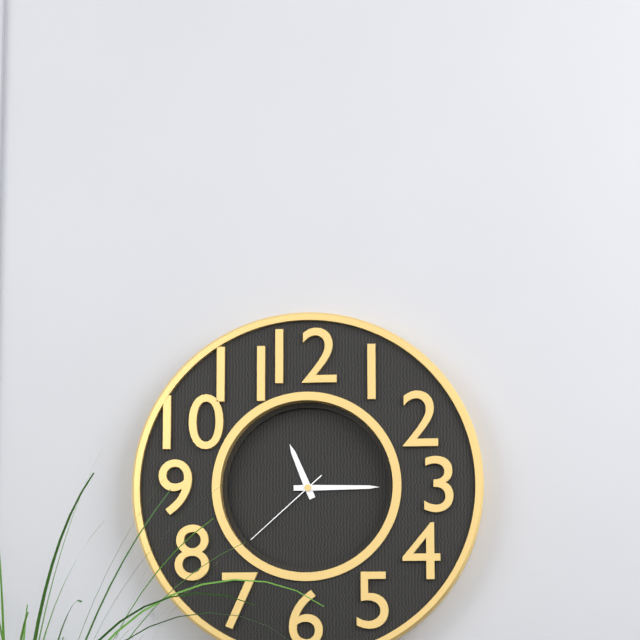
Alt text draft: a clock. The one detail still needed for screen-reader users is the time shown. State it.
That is 11:15:38
